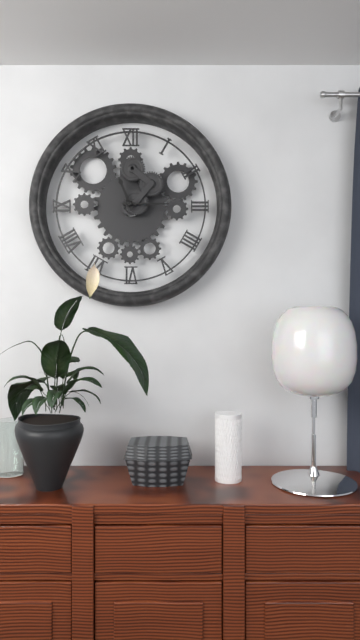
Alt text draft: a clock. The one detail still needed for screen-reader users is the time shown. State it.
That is 11:15
